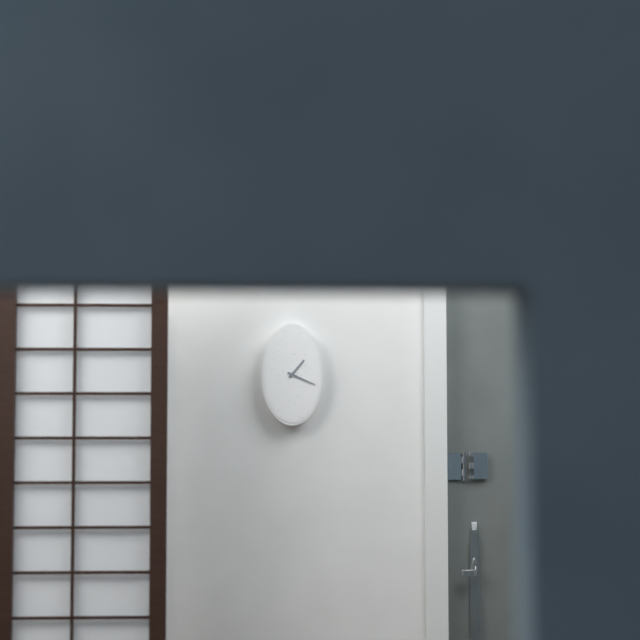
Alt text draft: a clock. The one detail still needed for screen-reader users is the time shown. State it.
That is 1:19
